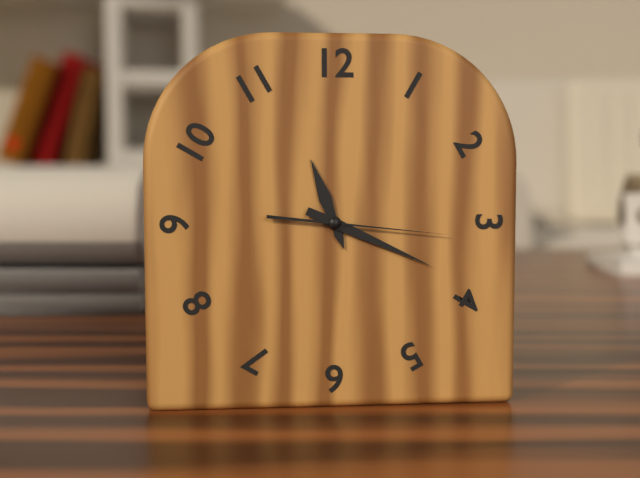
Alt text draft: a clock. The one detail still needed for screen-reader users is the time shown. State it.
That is 11:19:16
